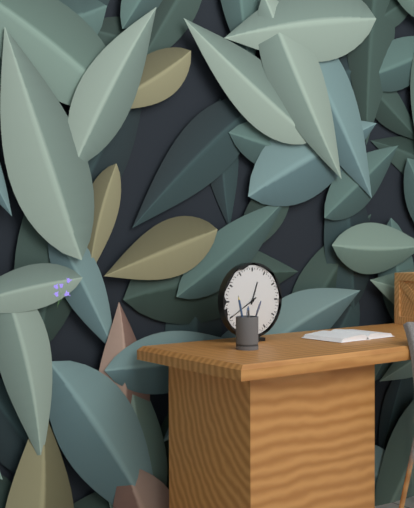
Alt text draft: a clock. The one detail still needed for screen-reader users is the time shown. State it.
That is 12:40
